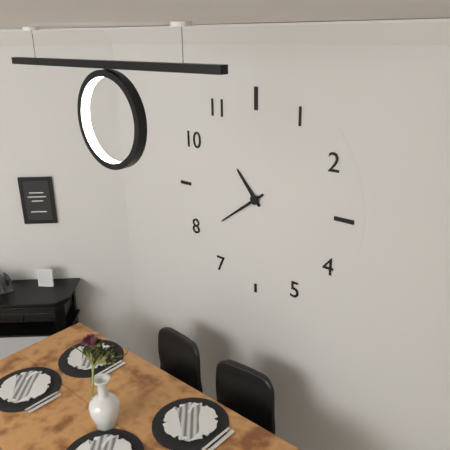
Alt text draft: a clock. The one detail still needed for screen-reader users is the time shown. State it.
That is 10:39
